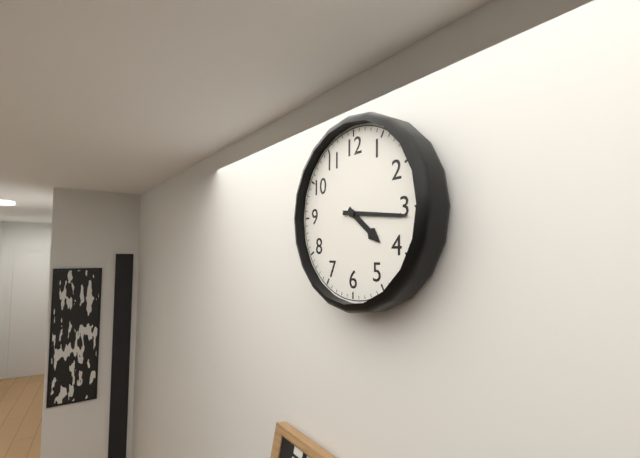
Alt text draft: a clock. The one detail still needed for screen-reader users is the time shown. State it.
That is 4:16
